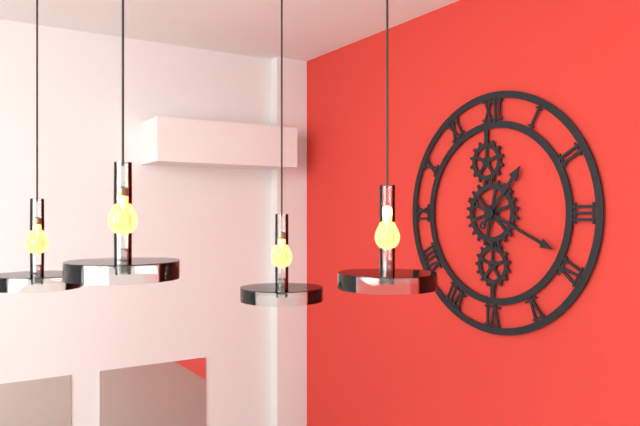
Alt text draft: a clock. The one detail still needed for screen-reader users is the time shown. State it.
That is 1:19
